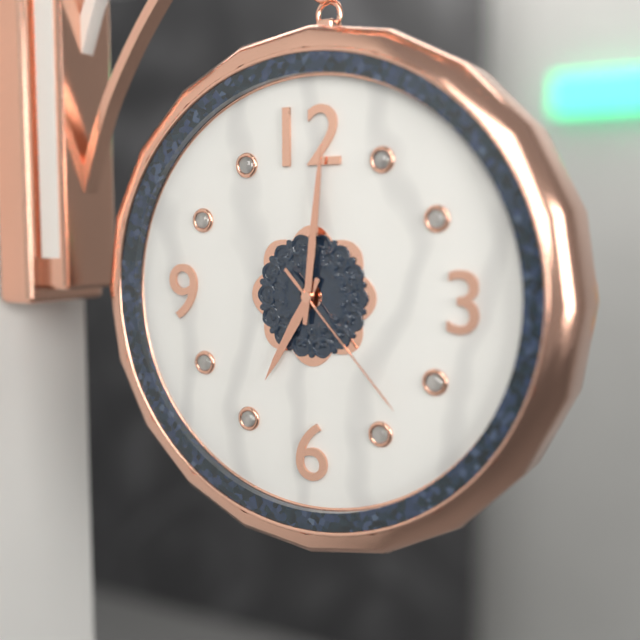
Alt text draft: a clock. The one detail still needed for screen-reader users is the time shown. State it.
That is 7:01:23
